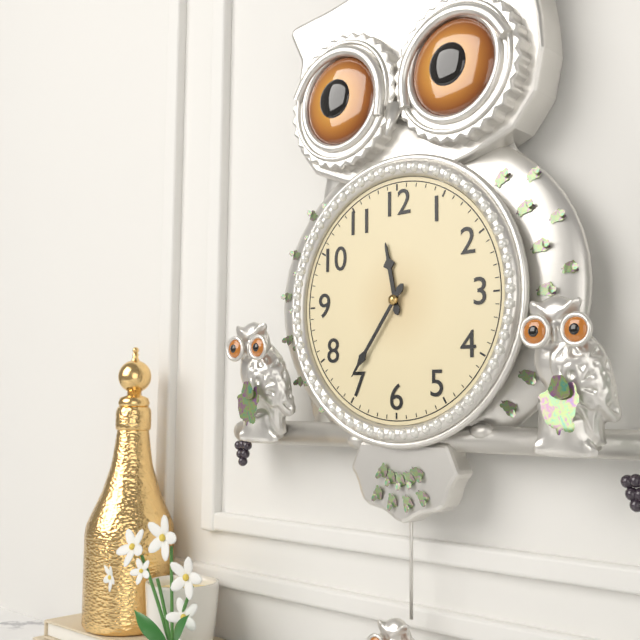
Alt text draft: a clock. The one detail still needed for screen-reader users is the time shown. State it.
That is 11:36
